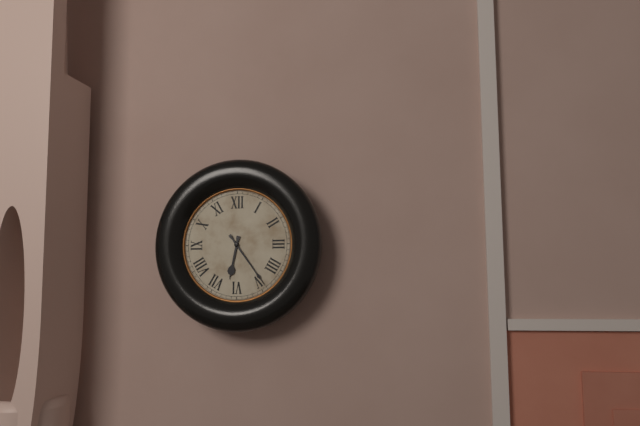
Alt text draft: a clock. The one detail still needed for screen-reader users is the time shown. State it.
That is 6:24
